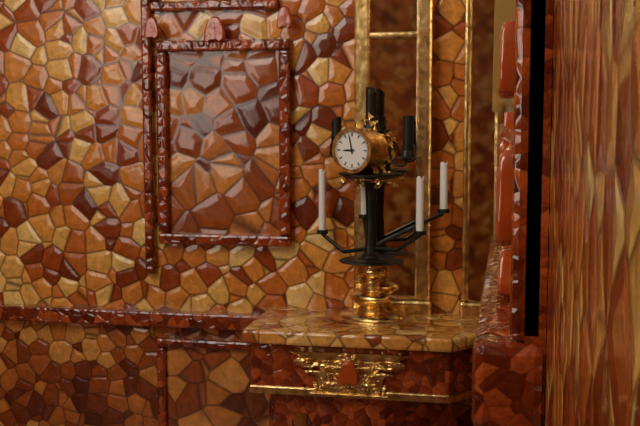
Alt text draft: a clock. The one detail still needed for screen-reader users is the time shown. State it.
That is 8:58
